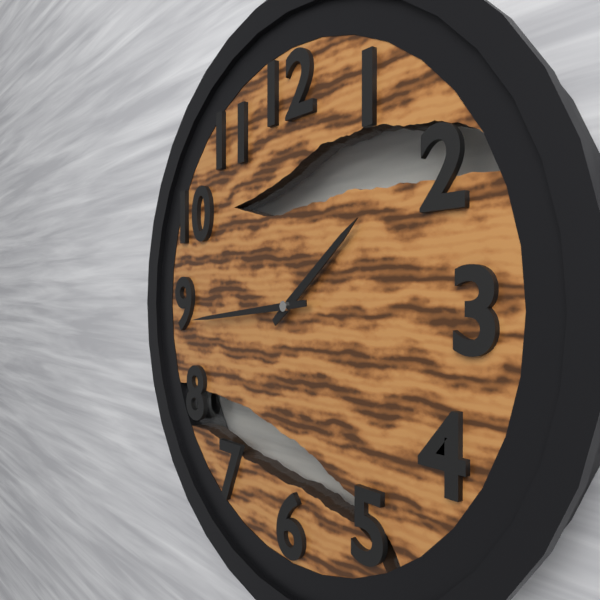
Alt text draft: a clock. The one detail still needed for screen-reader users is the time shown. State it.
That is 1:44
